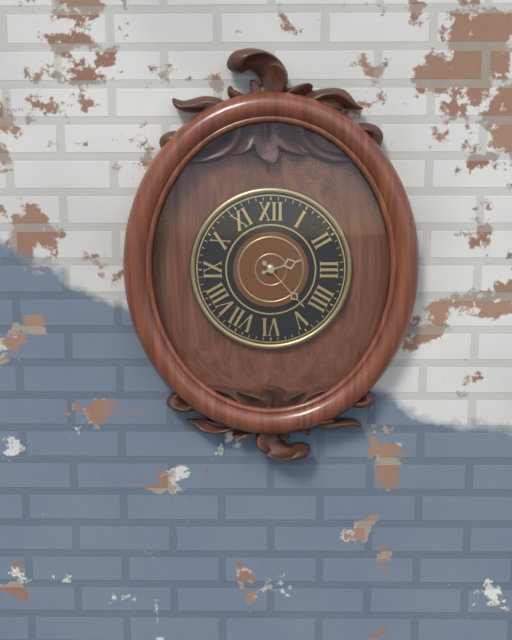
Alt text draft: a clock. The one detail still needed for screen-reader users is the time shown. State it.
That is 2:23
